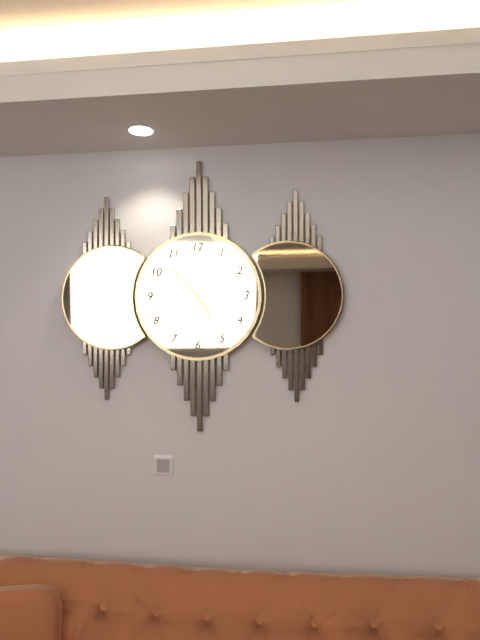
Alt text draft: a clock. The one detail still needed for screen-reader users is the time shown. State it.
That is 4:53
